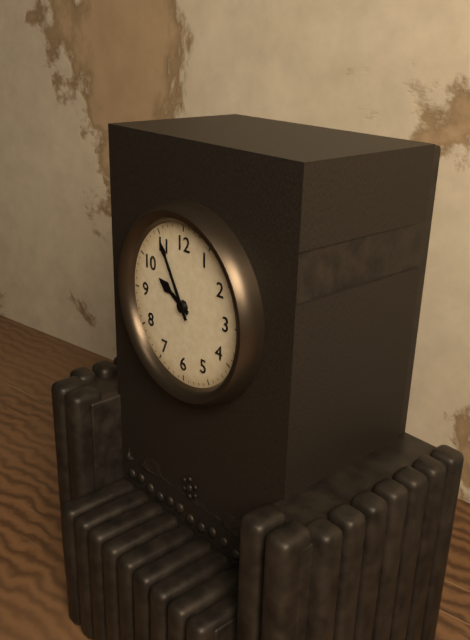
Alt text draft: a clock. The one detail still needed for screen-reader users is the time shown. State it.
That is 9:55
